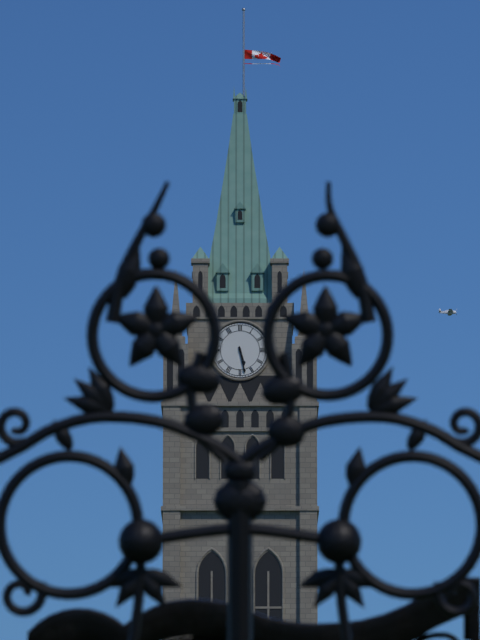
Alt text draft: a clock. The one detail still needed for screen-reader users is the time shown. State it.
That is 5:28
